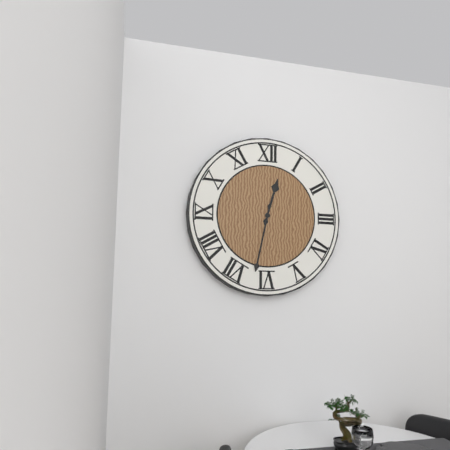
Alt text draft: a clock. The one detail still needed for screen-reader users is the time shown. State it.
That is 12:32
